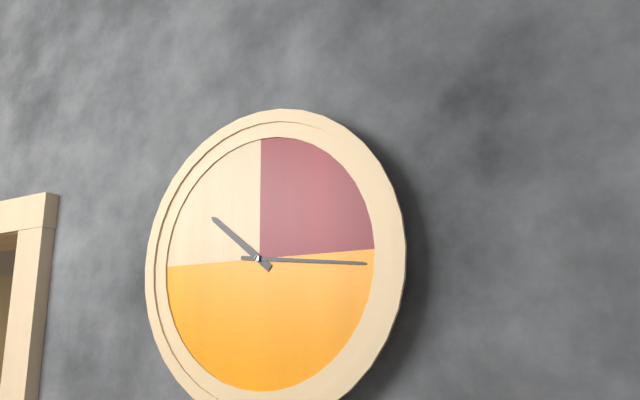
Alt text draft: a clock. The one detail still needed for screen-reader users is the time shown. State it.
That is 10:16
